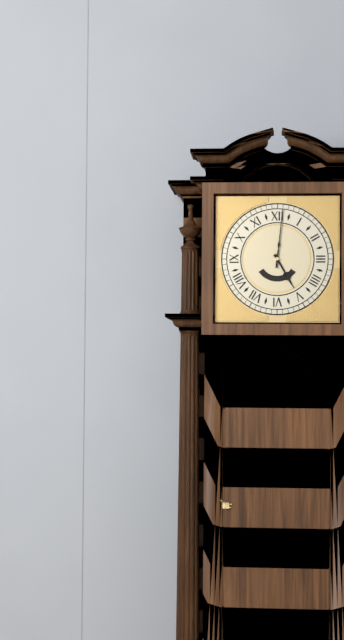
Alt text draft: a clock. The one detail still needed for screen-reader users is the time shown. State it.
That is 5:01
